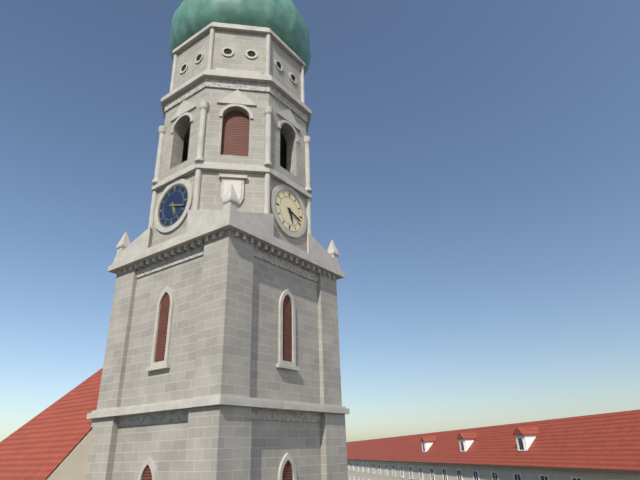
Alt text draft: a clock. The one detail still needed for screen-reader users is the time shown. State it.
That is 5:18
